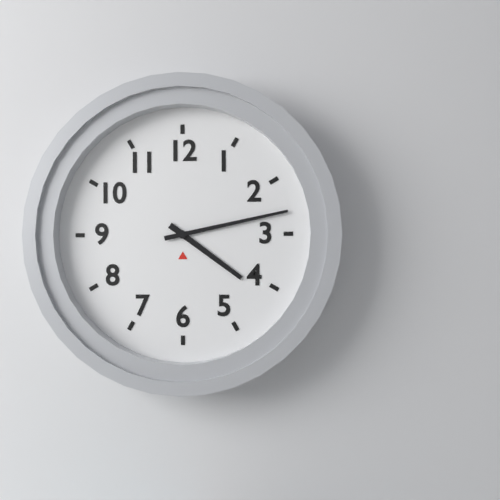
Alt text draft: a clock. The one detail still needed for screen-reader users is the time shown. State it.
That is 4:13
